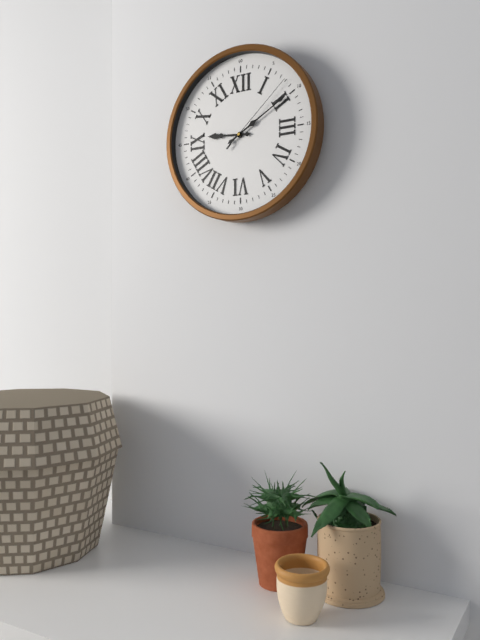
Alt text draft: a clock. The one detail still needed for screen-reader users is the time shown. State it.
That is 9:10:08
